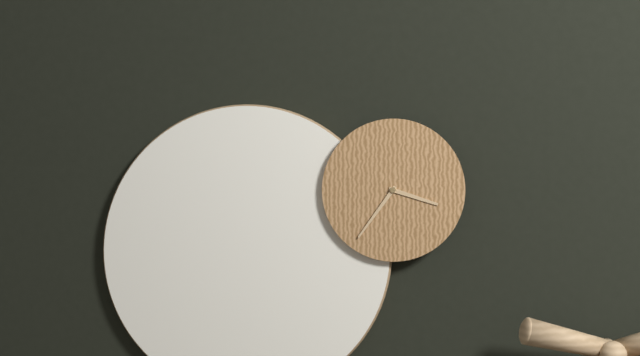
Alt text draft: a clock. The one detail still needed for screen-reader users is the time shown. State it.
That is 3:36
